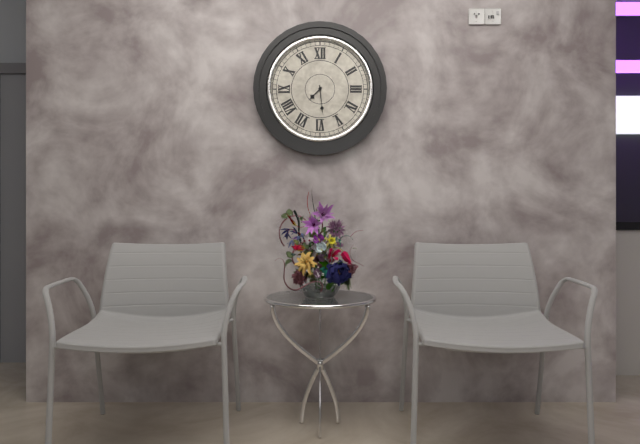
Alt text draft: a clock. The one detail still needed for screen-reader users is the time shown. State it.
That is 7:29
